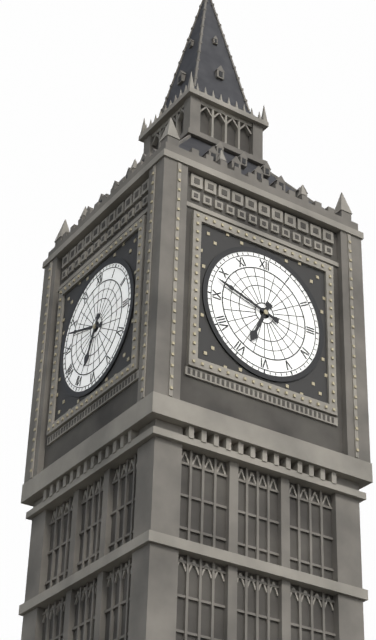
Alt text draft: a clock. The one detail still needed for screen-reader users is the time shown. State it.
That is 6:48
